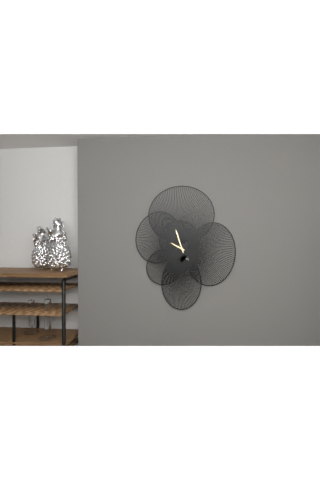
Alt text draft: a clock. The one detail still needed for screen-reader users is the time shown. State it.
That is 9:57
